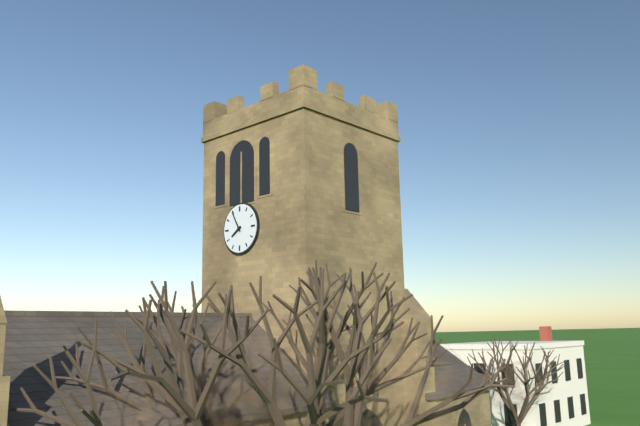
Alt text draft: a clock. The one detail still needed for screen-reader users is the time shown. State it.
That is 7:55
